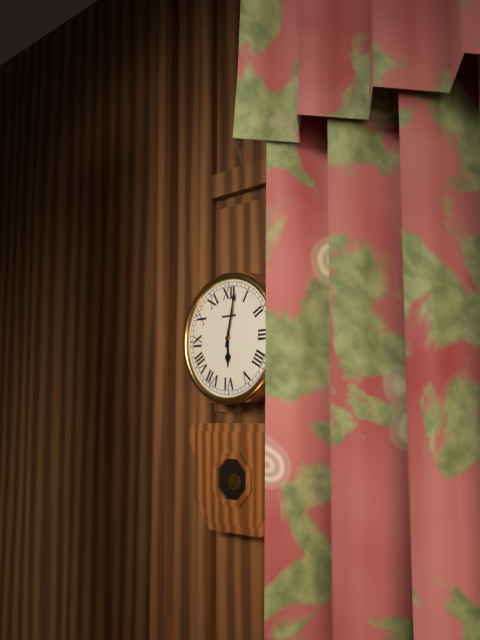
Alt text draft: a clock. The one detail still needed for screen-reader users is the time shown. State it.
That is 6:02
